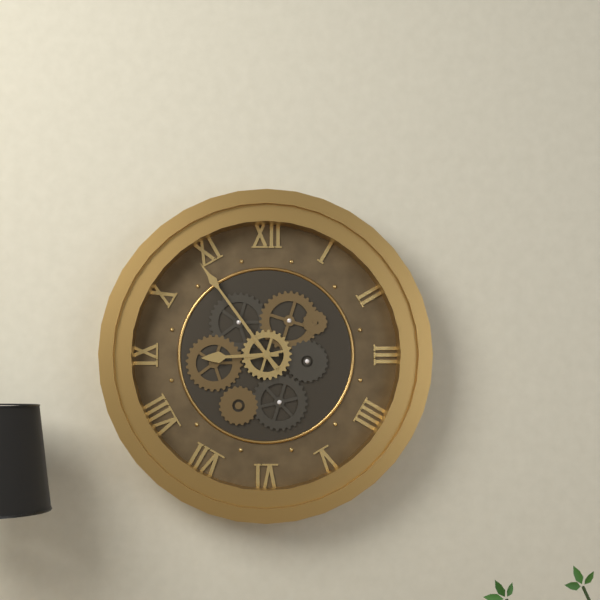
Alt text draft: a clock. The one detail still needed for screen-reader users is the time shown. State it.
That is 8:54
